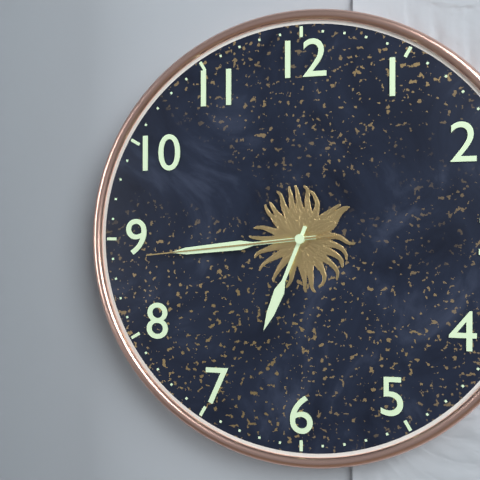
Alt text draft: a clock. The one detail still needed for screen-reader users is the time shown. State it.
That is 6:44:44
